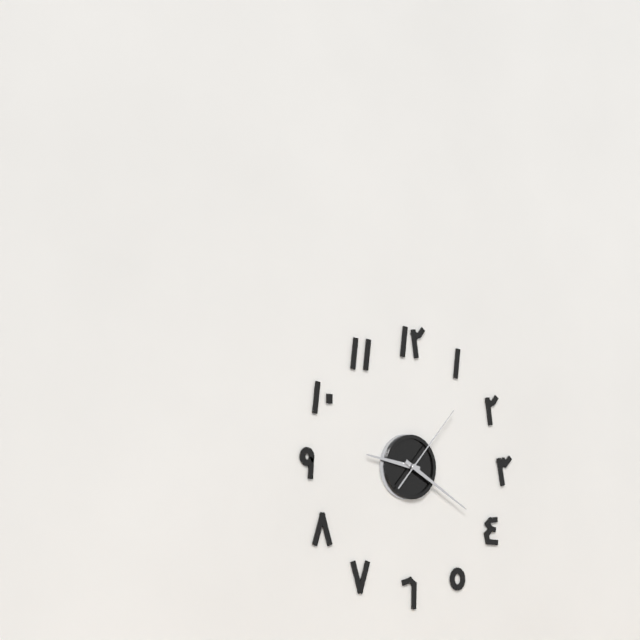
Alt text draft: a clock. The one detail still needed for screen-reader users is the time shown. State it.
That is 9:20:07
